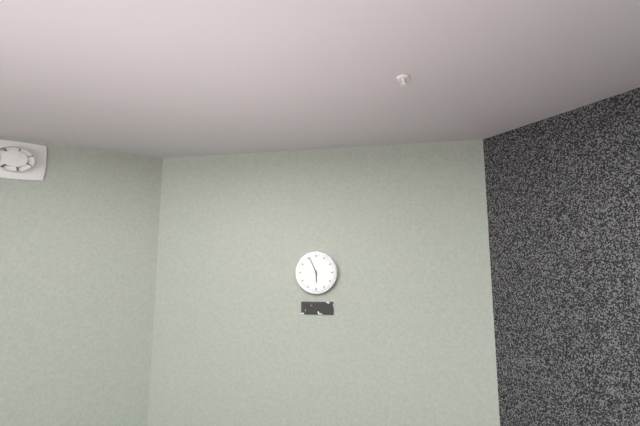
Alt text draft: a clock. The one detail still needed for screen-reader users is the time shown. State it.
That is 5:56
